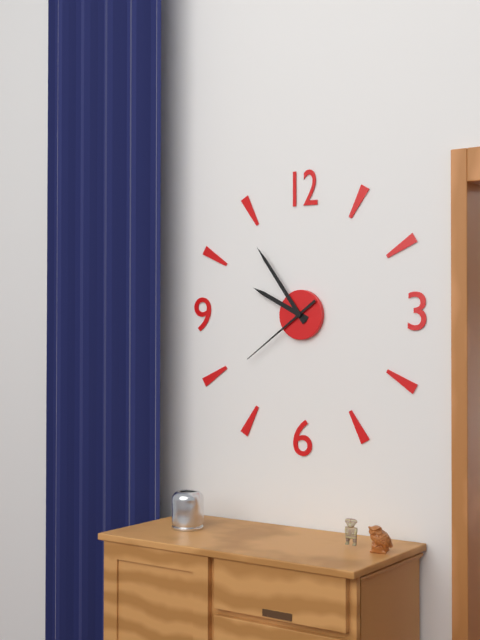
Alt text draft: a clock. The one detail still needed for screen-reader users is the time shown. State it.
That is 9:54:39
